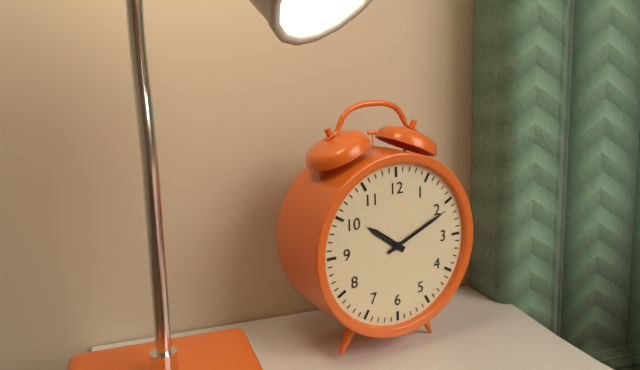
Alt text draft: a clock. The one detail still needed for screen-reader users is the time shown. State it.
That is 10:11
